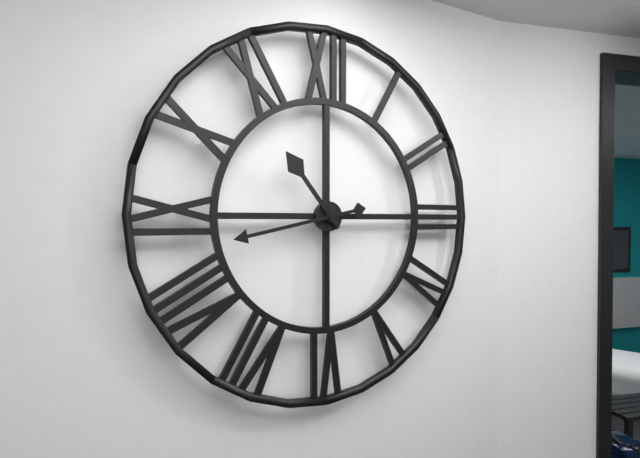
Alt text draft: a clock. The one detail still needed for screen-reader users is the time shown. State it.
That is 10:43
